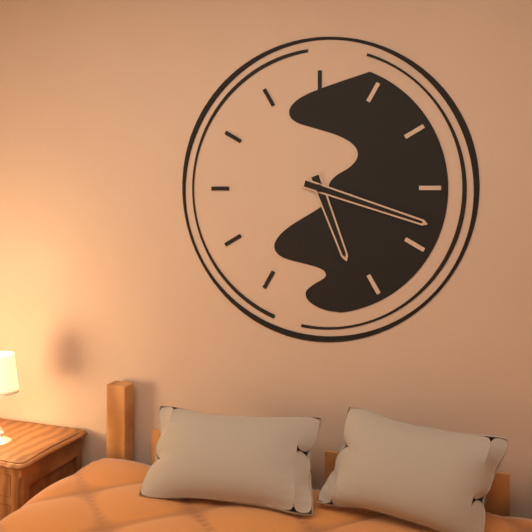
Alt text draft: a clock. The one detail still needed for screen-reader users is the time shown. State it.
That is 5:18
